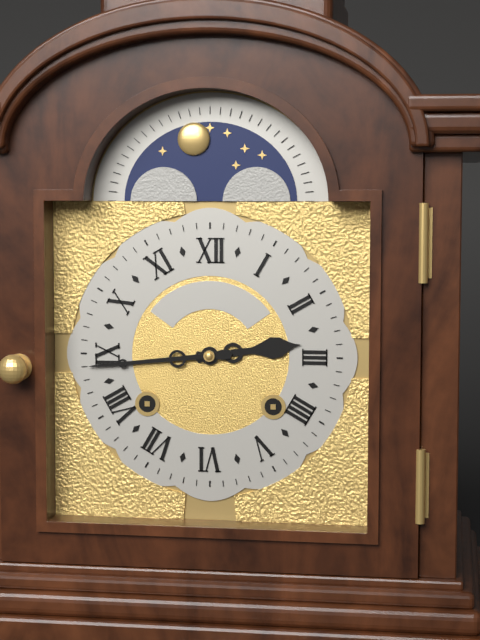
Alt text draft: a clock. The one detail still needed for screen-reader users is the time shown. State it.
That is 2:44
